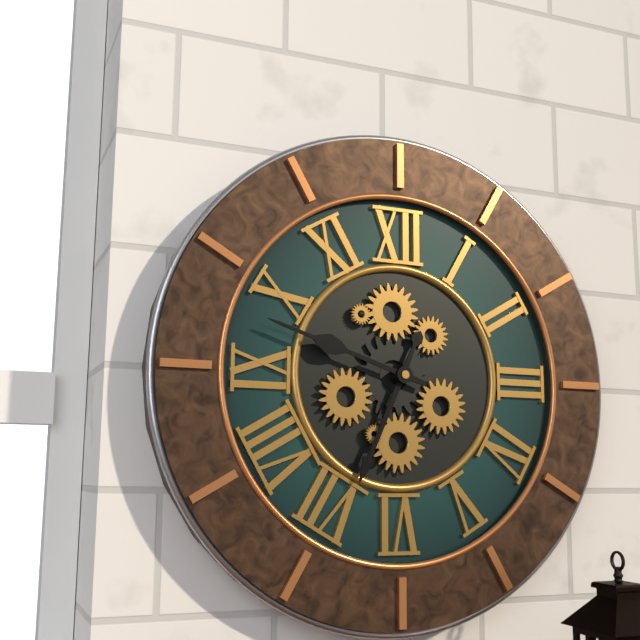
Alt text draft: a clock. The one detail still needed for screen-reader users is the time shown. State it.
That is 6:48
